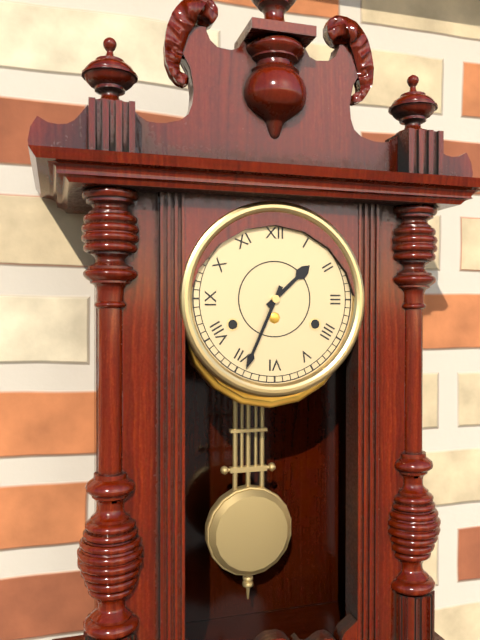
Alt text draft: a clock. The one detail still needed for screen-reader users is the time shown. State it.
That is 1:34
